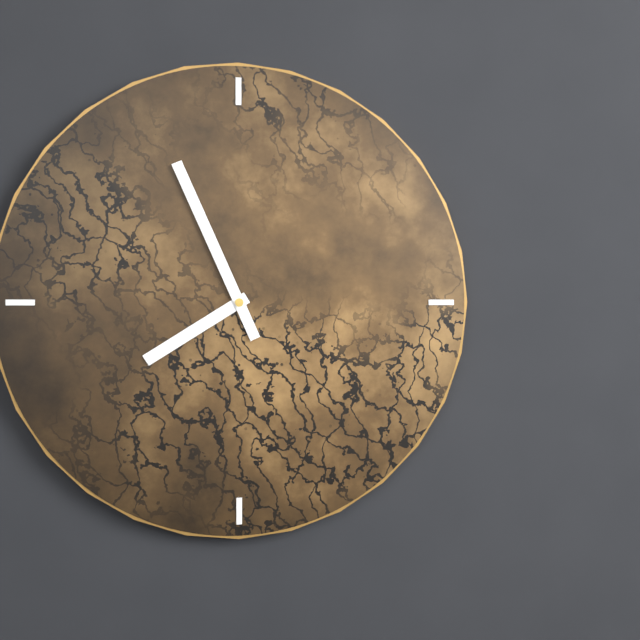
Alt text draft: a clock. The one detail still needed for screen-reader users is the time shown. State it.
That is 7:56
